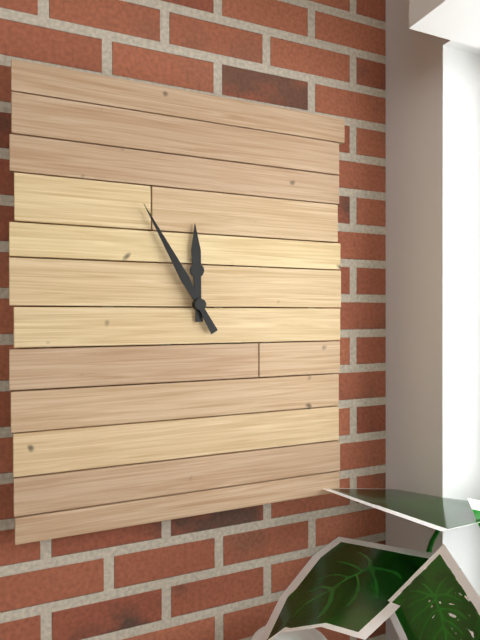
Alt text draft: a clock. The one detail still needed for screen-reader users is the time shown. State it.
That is 11:55
